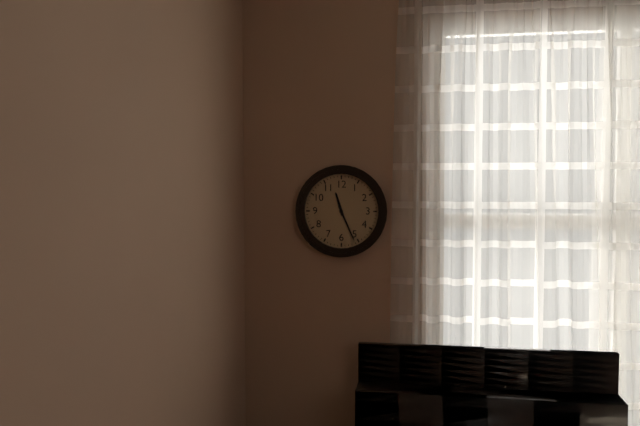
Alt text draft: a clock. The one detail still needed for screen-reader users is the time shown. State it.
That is 11:26
